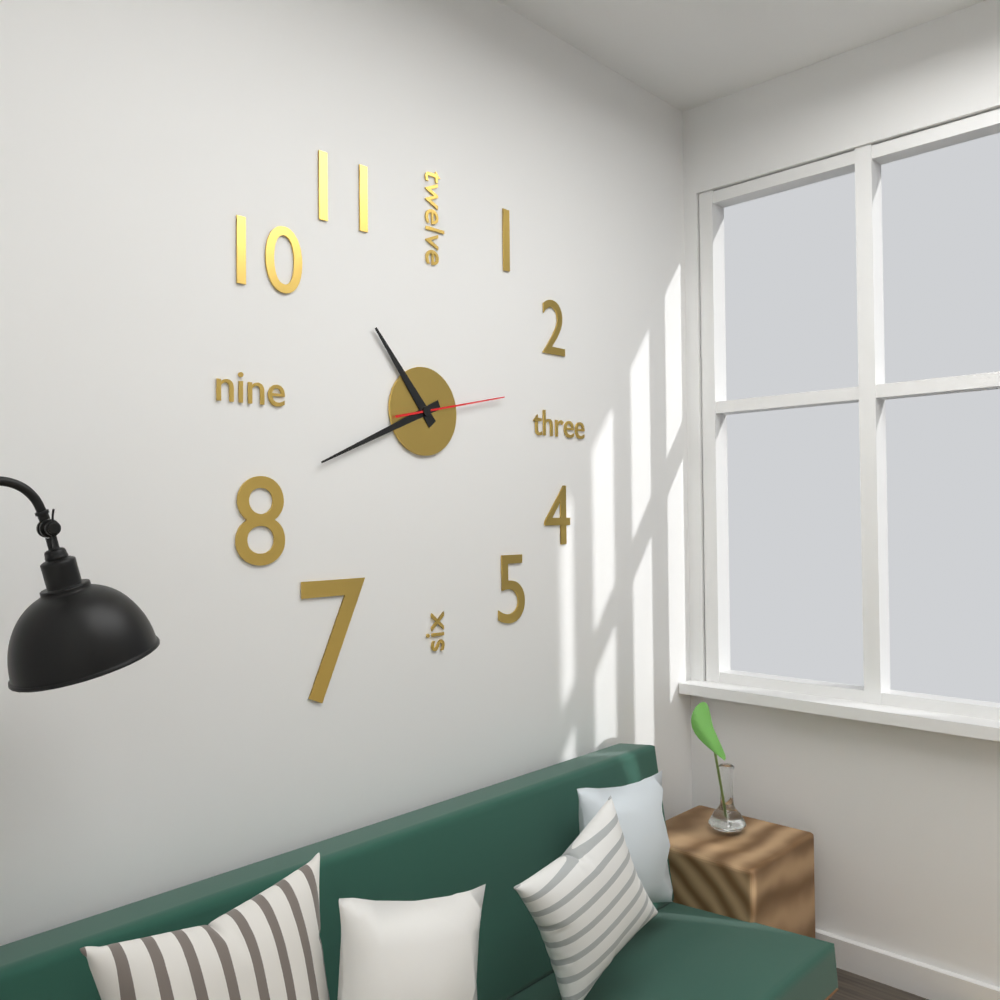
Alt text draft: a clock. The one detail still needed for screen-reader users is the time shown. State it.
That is 10:41:13
